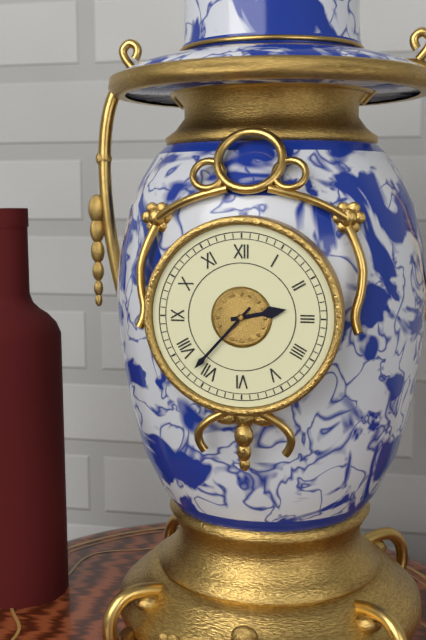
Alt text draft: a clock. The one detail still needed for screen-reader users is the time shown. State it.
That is 2:37
